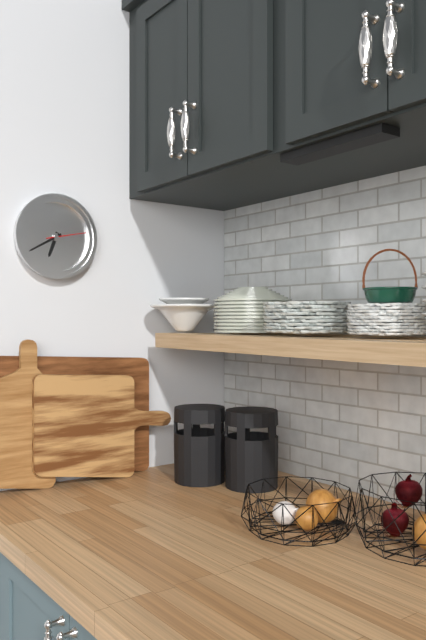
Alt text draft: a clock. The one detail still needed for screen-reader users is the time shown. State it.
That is 6:40
